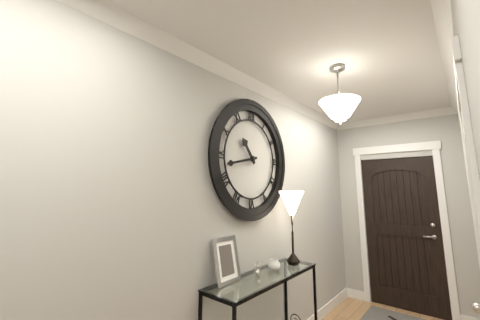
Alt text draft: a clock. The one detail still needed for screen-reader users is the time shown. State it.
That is 10:43
